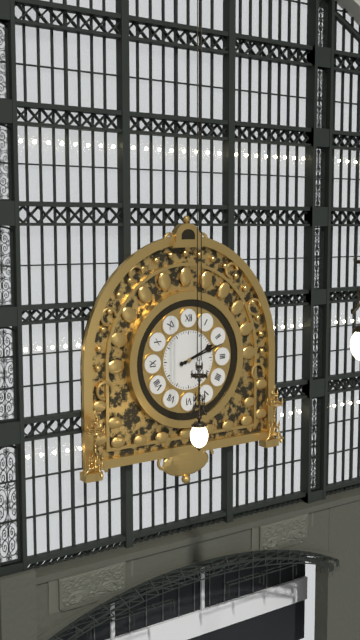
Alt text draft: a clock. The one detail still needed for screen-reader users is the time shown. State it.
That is 2:12
